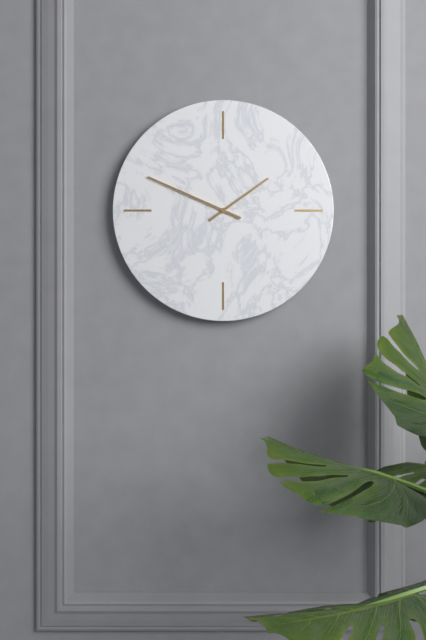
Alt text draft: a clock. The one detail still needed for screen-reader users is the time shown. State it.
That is 1:49
